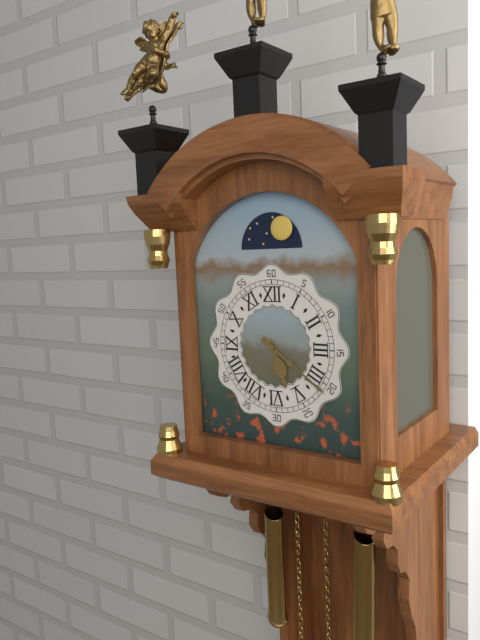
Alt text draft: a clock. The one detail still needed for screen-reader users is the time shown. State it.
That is 5:21
